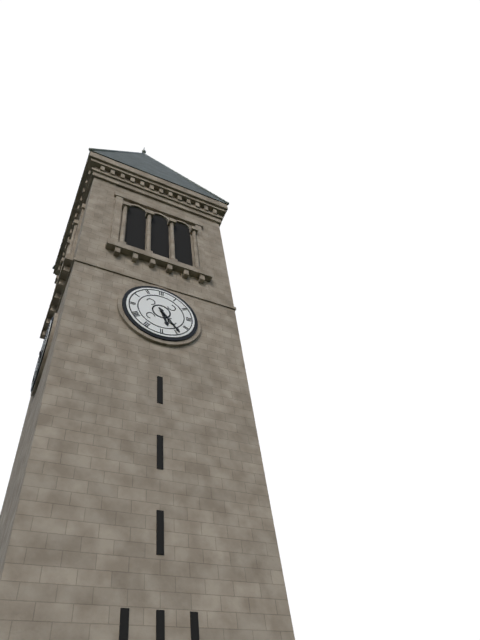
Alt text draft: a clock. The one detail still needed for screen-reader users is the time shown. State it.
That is 5:24
